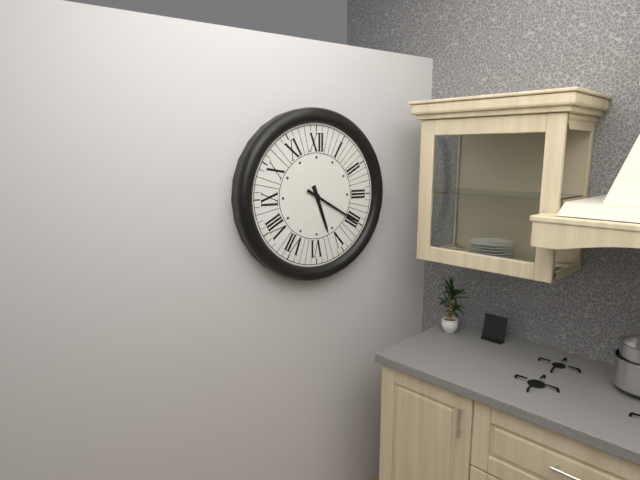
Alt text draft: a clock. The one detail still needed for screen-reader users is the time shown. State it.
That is 5:20
